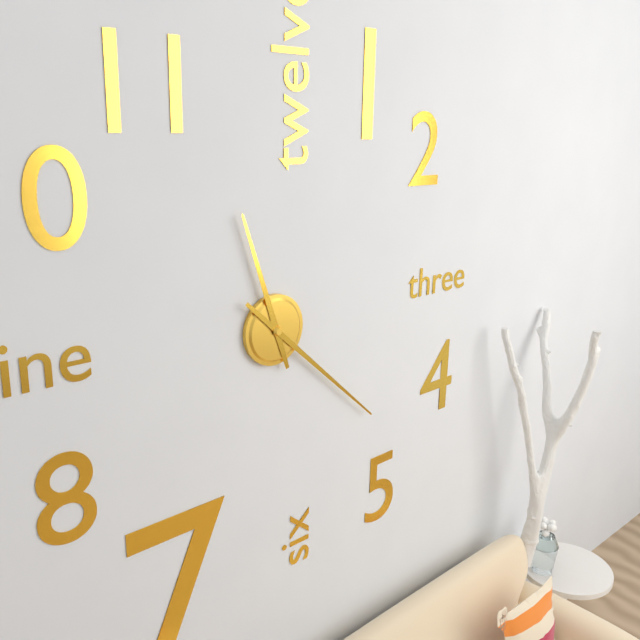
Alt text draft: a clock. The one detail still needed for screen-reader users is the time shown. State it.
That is 11:22
